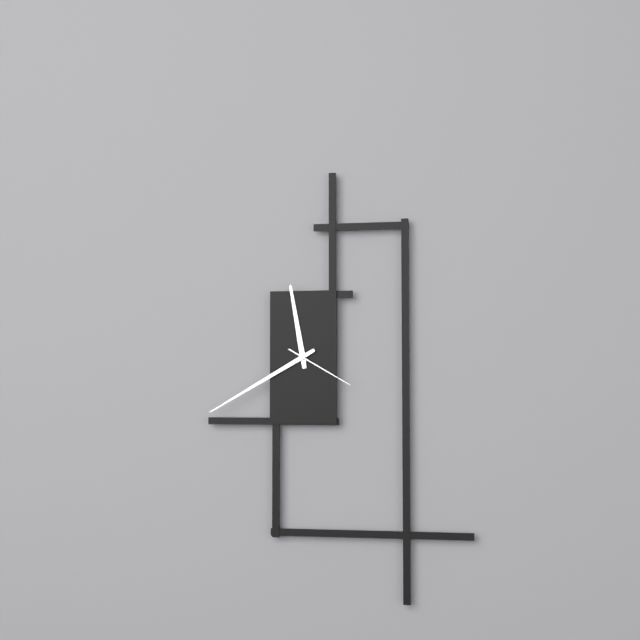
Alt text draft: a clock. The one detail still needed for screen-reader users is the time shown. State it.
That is 11:40:20
